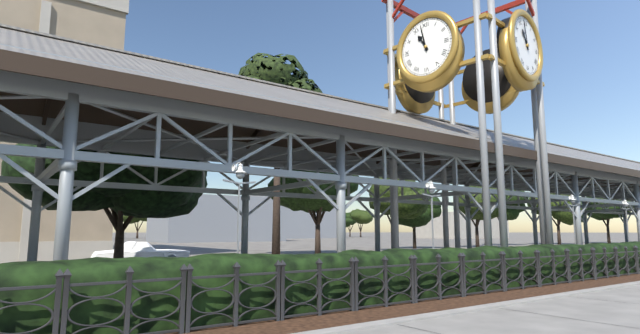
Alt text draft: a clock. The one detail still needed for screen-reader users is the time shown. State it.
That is 10:58
